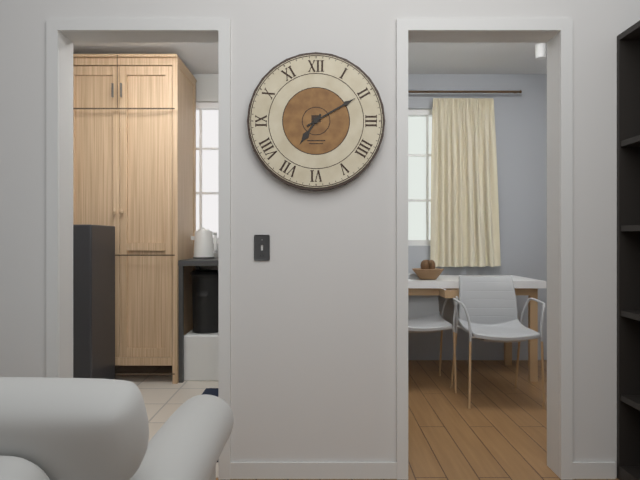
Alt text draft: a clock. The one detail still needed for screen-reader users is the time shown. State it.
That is 7:10
